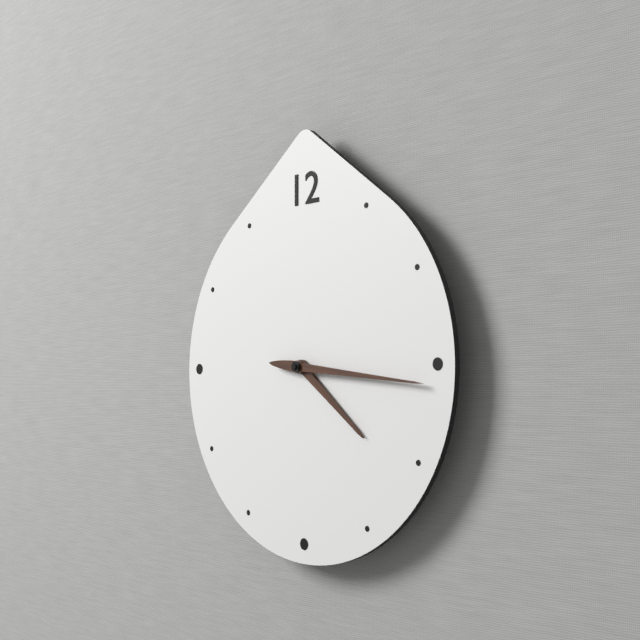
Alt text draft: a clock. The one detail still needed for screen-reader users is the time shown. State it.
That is 4:16
